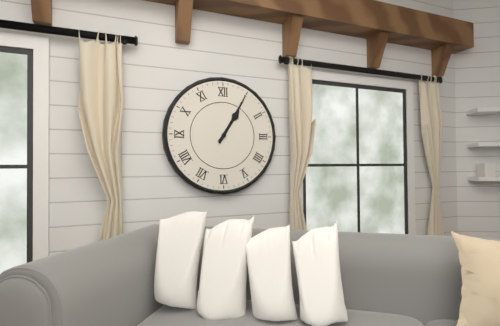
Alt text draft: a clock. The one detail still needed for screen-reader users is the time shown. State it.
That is 1:05
